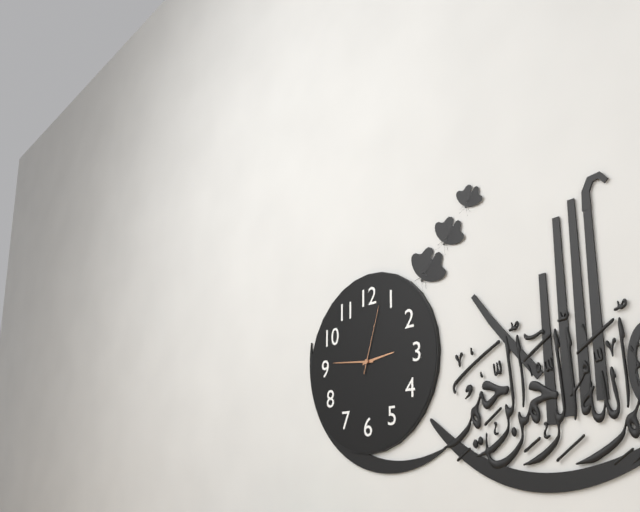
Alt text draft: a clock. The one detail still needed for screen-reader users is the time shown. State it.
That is 2:46:03
